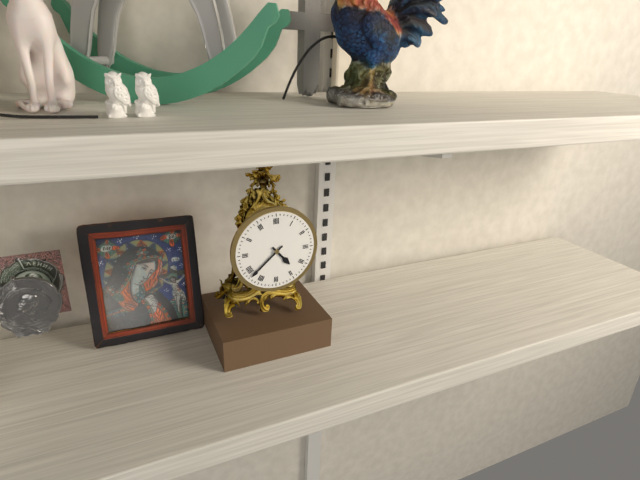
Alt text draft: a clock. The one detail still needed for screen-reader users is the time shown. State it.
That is 4:38
